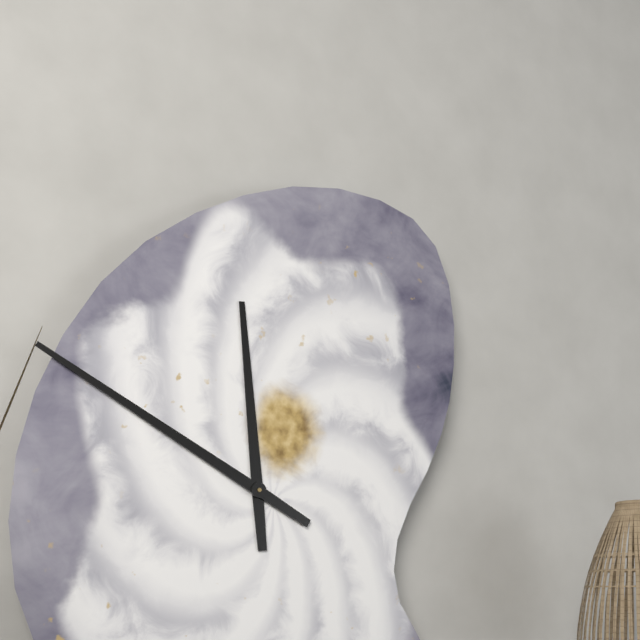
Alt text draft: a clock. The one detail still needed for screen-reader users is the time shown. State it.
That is 11:50
